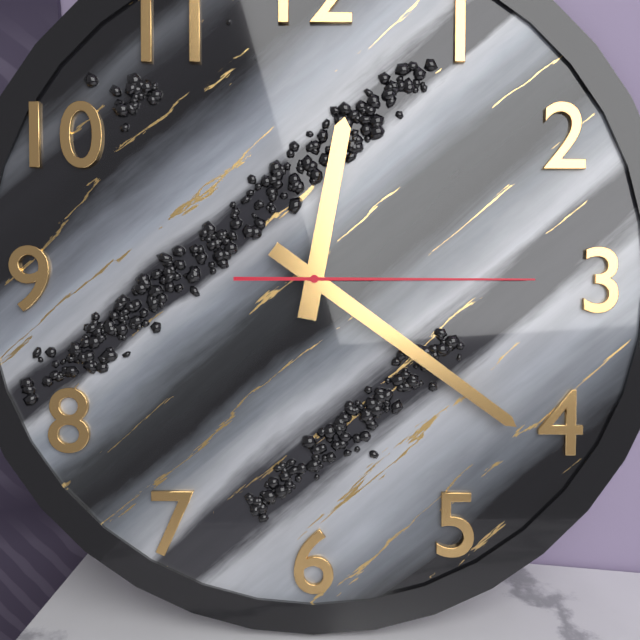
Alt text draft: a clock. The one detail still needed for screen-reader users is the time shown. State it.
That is 12:21:15
